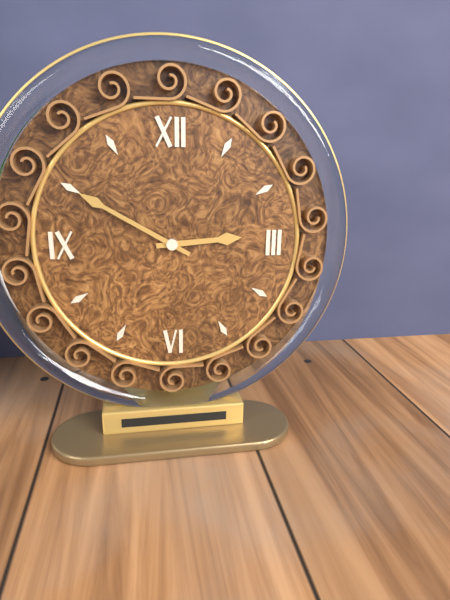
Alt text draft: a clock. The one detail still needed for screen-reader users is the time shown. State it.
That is 2:50
